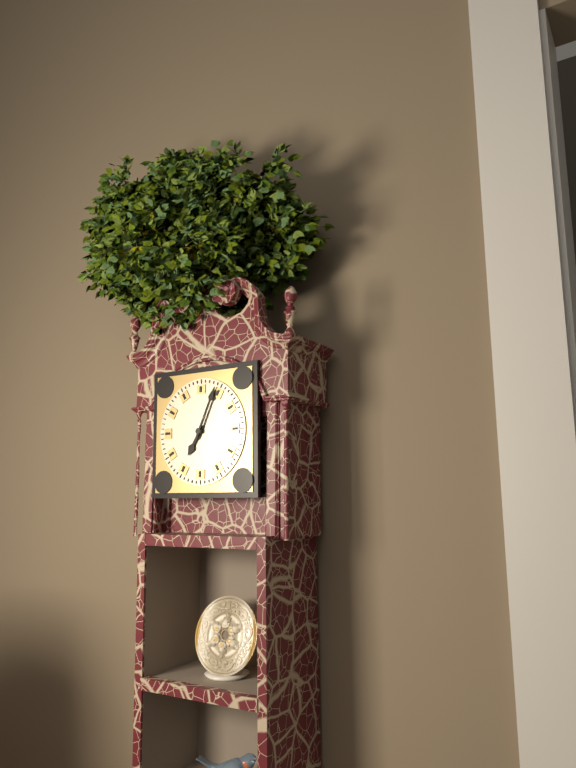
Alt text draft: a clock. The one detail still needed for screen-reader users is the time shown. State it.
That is 7:04
